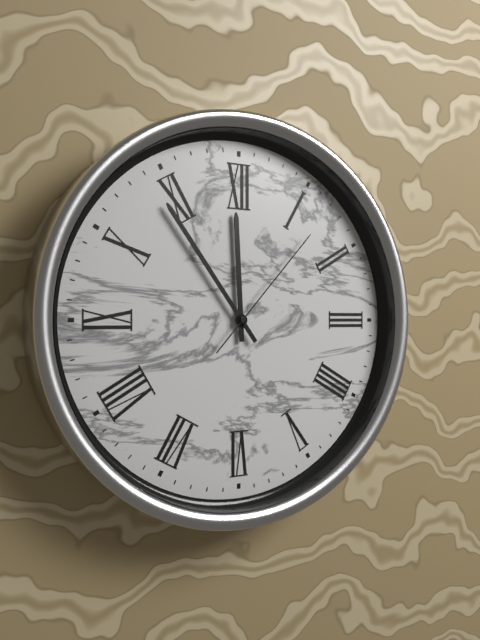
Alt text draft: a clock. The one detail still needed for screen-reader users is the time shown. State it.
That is 11:54:07
